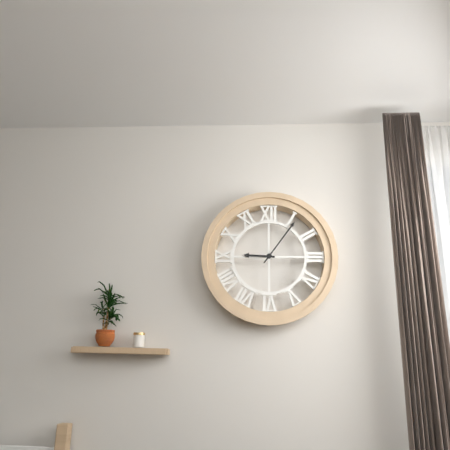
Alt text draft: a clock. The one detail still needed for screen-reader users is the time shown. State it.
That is 9:06
